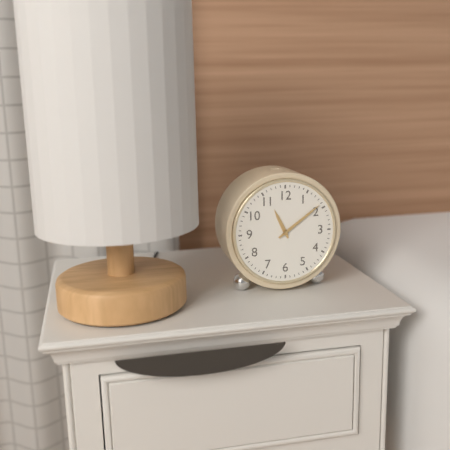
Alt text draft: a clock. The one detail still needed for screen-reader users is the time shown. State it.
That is 11:09
